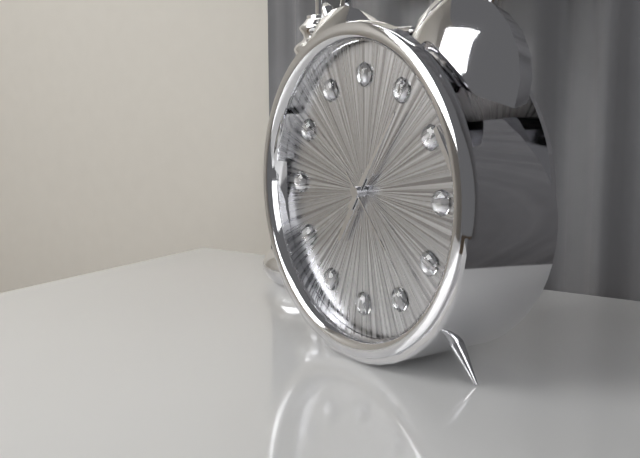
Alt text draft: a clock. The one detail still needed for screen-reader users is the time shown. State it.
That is 7:06:23
